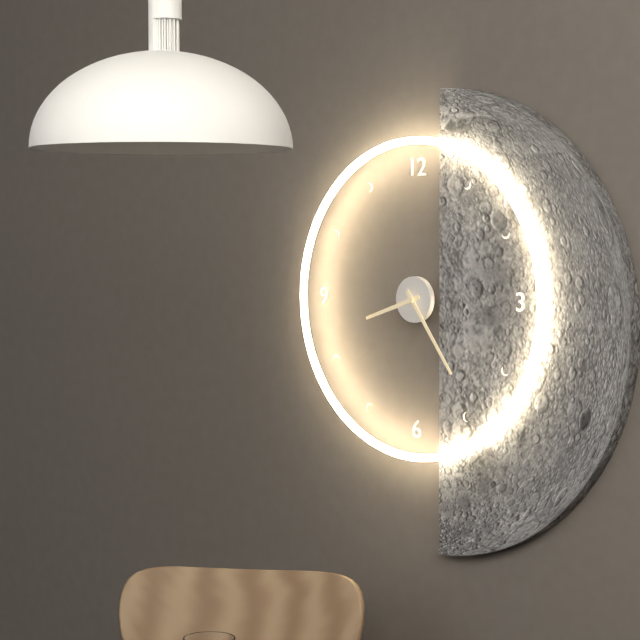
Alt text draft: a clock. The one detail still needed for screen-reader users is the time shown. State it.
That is 8:24
